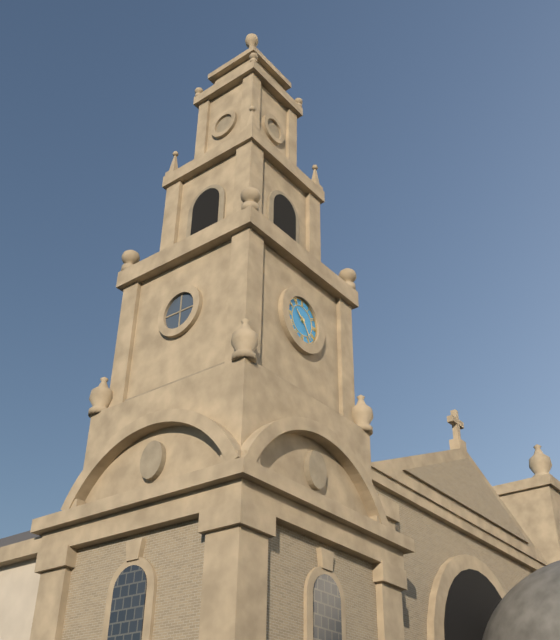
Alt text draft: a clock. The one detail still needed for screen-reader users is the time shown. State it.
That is 10:24
